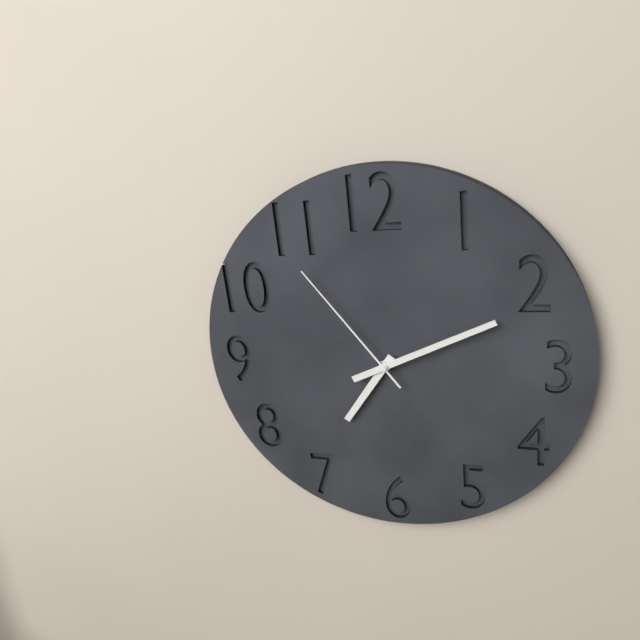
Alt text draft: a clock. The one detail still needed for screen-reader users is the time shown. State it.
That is 7:11:54
